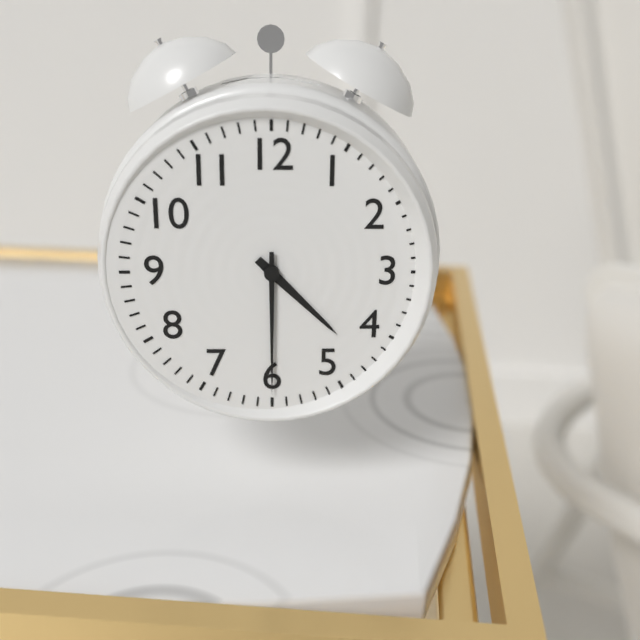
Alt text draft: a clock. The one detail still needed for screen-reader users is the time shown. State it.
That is 4:30
